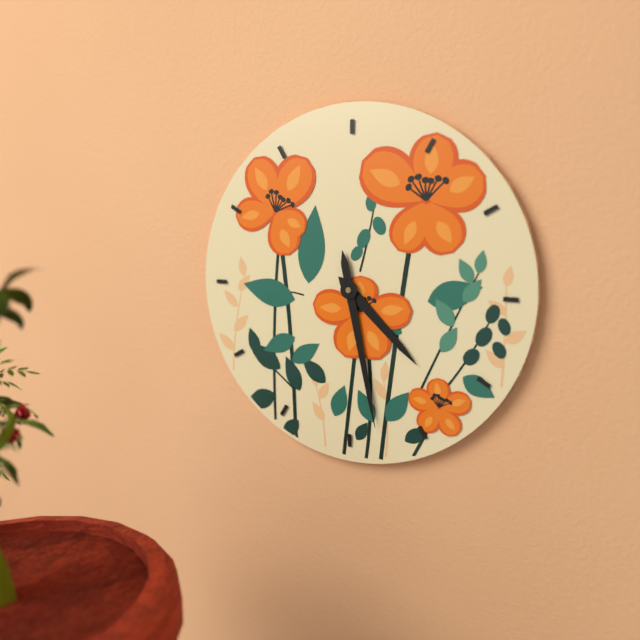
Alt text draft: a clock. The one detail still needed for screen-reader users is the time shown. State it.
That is 4:28
